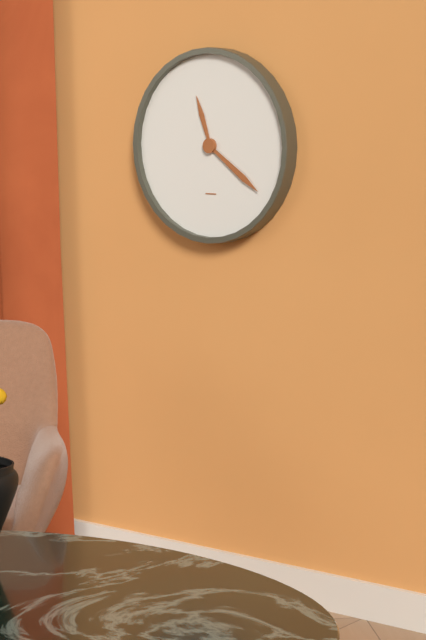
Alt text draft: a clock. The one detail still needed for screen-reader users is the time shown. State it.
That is 11:21
